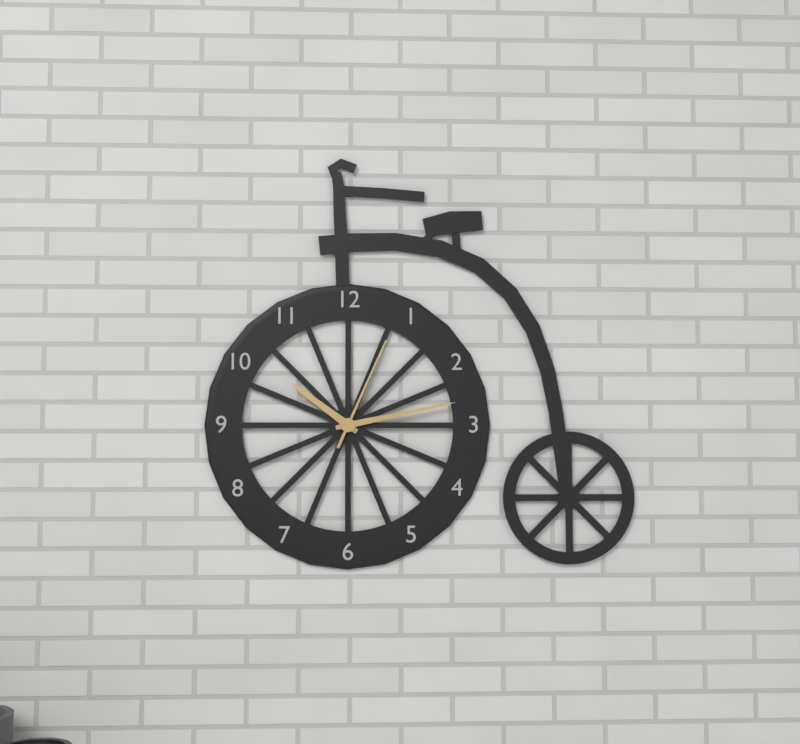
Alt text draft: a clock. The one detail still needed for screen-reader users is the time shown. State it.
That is 10:13:04
